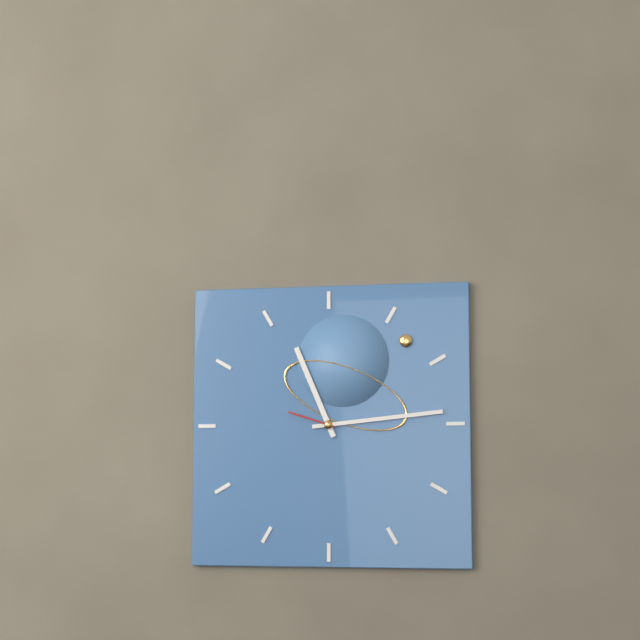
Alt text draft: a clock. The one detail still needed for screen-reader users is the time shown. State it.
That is 11:14:48
